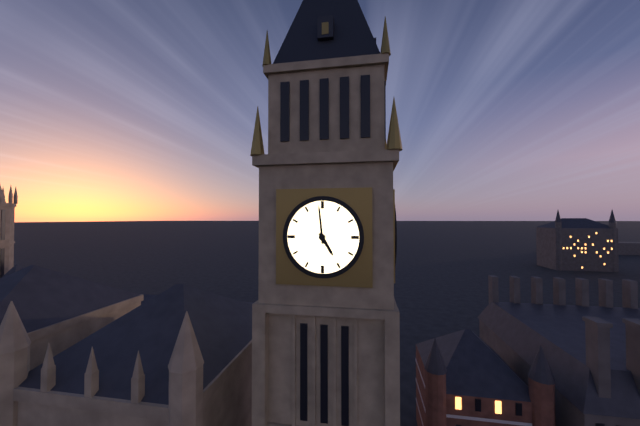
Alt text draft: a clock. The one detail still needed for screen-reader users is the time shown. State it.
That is 4:59
